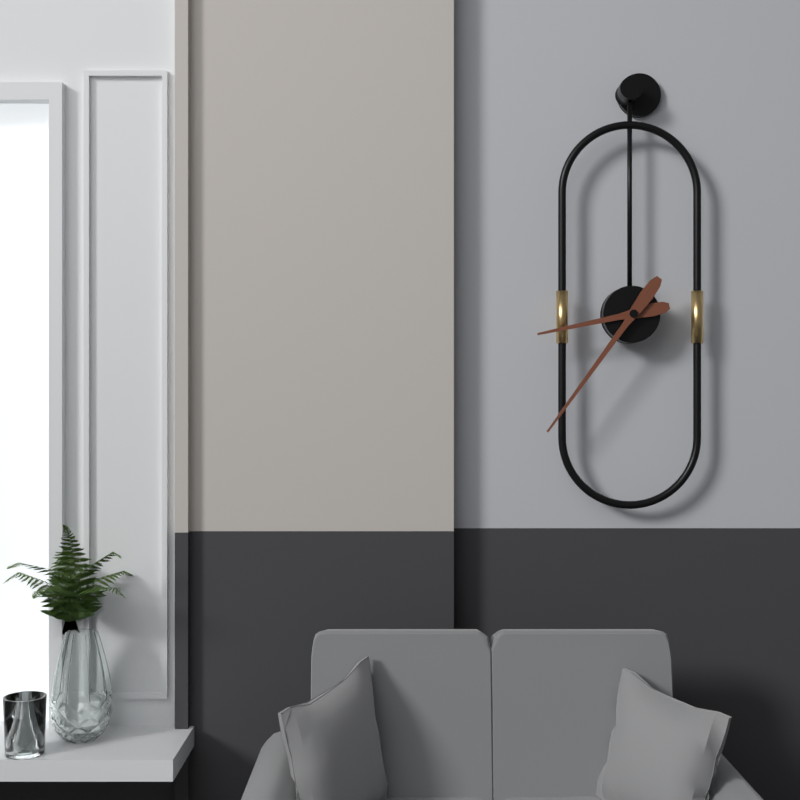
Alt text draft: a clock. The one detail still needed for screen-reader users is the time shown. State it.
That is 8:36
